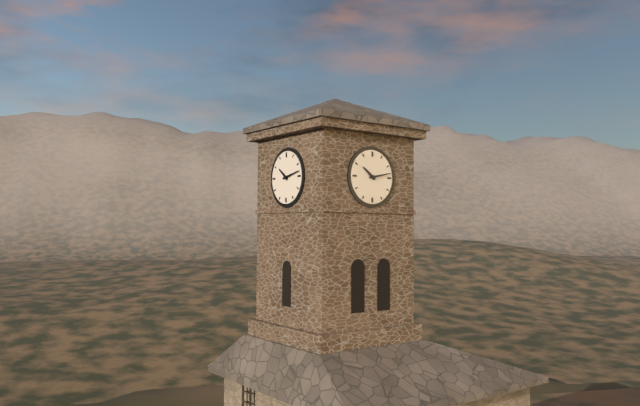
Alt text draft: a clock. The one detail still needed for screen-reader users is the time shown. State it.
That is 10:13
